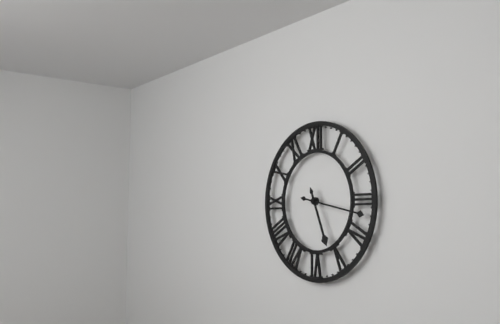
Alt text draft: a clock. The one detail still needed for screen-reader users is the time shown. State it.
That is 5:17
